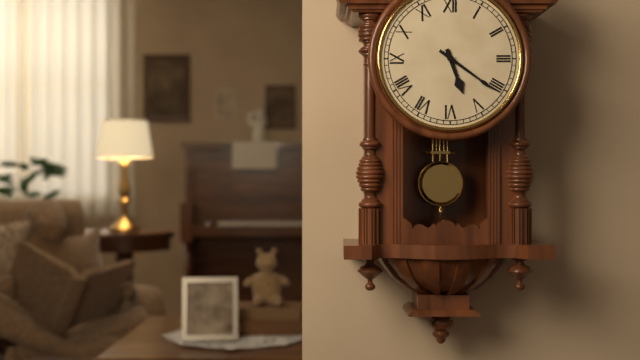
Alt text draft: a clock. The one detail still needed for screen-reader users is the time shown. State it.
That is 5:21
